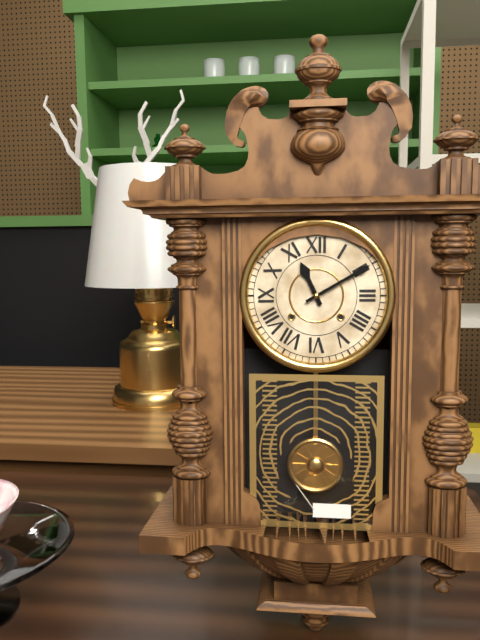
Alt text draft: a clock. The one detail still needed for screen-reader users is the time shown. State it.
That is 11:10
